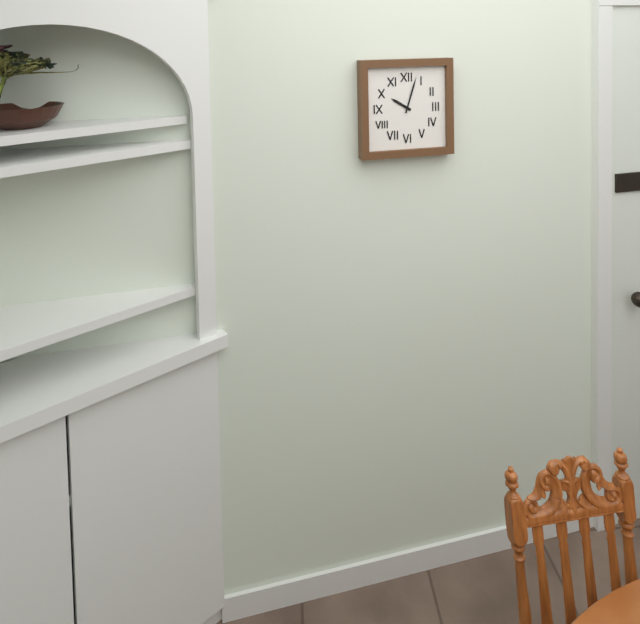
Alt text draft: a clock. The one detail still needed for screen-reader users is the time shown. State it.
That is 10:03
